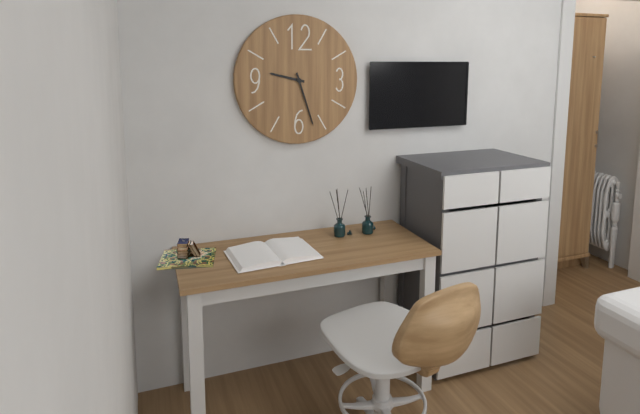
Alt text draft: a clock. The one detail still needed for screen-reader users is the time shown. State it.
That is 9:27
